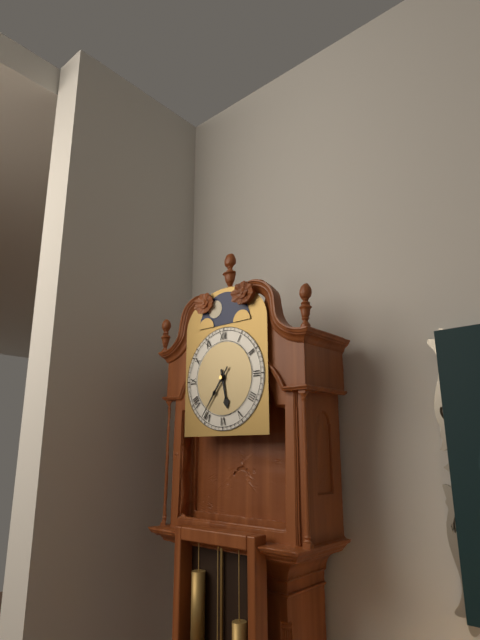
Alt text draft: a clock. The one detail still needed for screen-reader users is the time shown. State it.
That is 5:36
